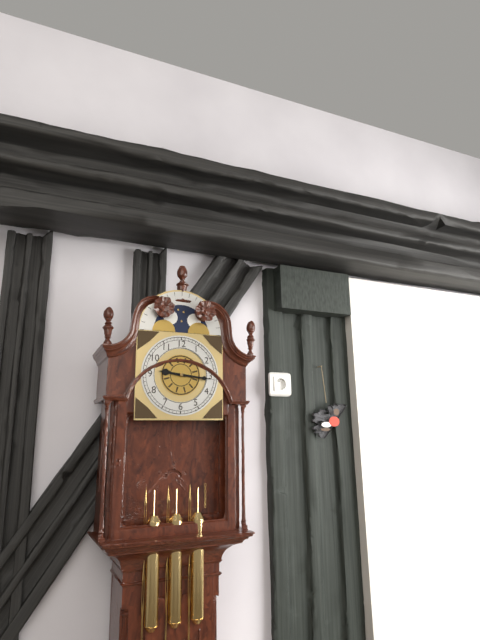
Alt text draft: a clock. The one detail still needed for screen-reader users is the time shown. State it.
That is 9:16
